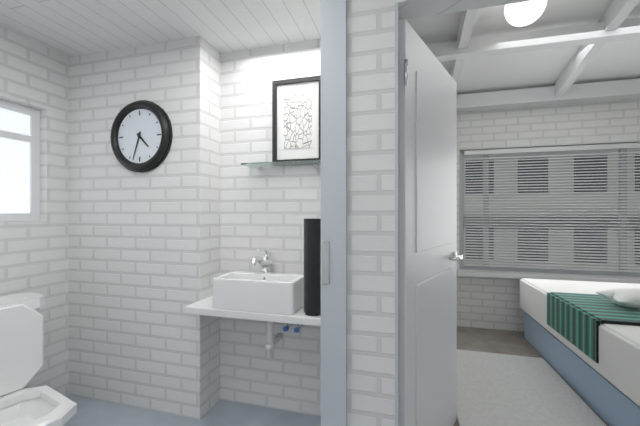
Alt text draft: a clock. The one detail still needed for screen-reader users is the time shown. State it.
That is 4:33
